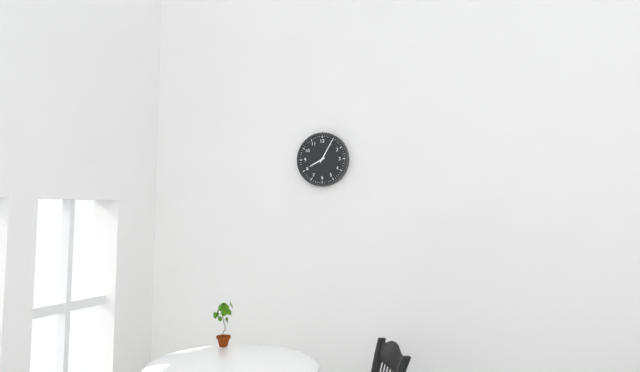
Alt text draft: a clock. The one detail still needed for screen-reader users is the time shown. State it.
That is 8:05
